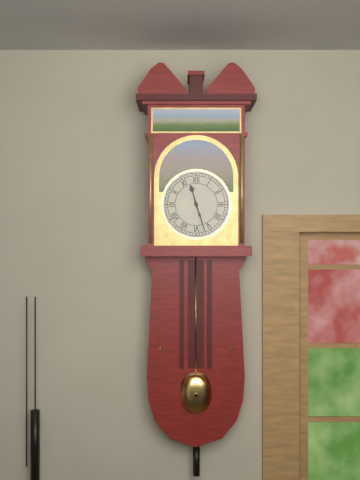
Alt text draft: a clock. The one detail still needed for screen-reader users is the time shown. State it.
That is 11:27
